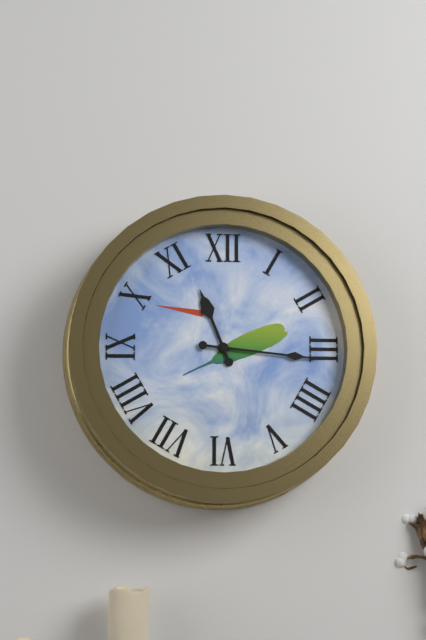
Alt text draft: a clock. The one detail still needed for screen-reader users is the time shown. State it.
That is 11:16
